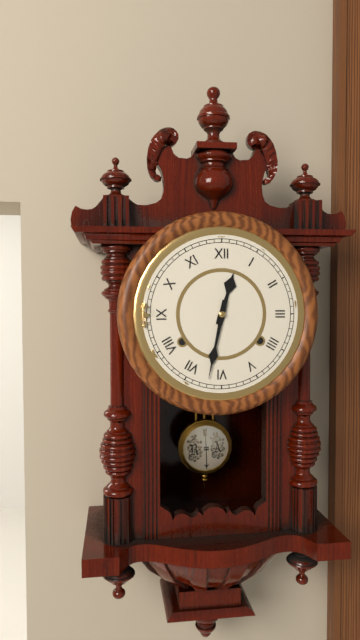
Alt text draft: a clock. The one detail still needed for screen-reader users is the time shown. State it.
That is 12:32
